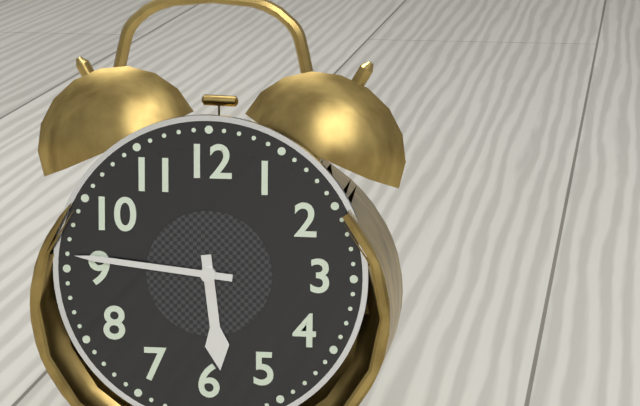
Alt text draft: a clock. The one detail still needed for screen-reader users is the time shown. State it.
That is 5:46
